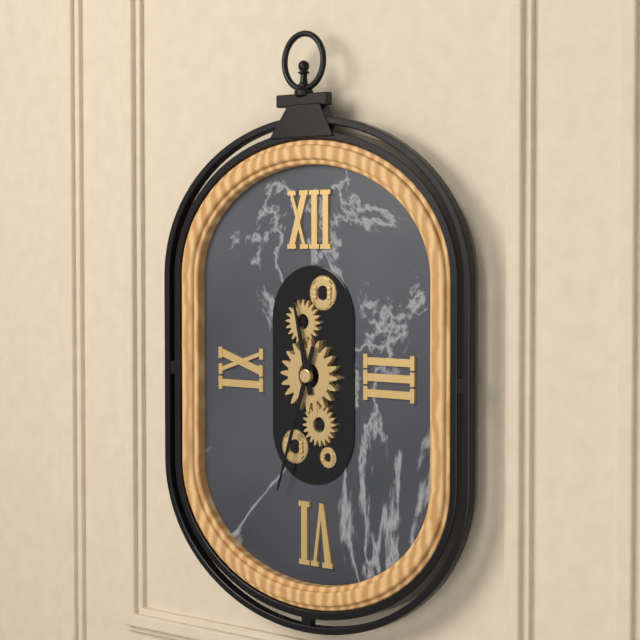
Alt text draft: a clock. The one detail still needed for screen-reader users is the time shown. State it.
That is 11:33
